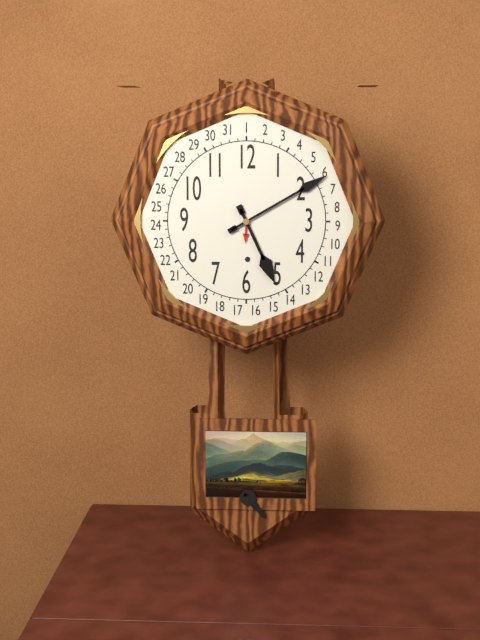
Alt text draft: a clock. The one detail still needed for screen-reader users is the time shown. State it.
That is 5:10
